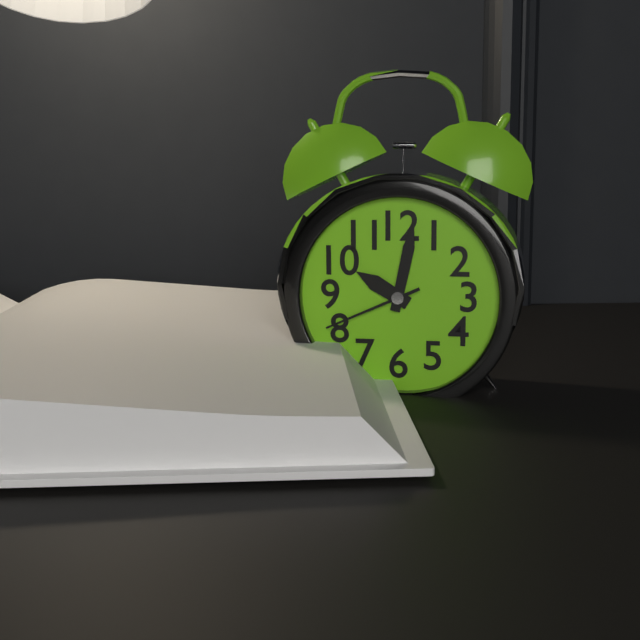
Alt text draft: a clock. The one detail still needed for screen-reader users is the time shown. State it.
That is 10:02:41
